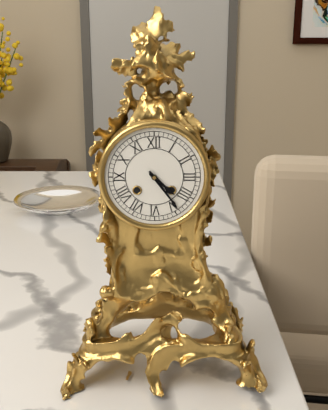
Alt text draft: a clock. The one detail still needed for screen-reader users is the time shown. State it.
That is 4:24
